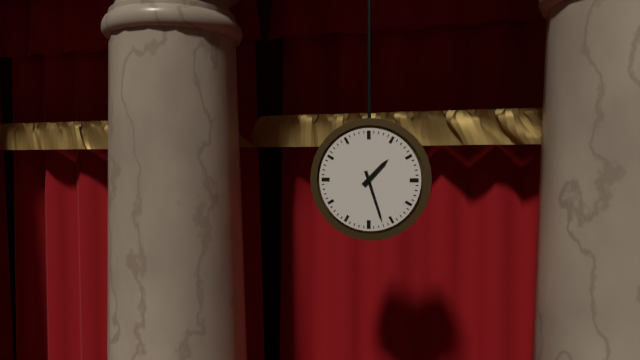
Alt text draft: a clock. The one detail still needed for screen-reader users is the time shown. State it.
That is 1:27
